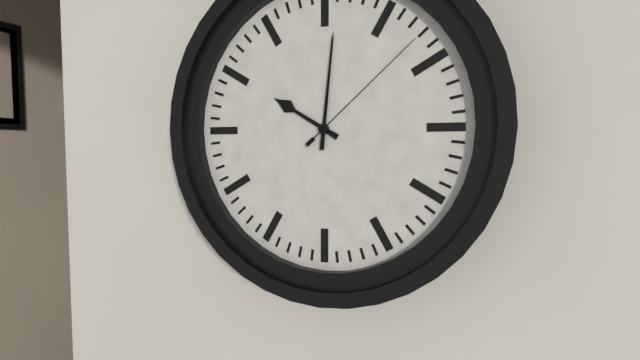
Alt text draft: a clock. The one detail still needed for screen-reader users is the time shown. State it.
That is 10:01:08
